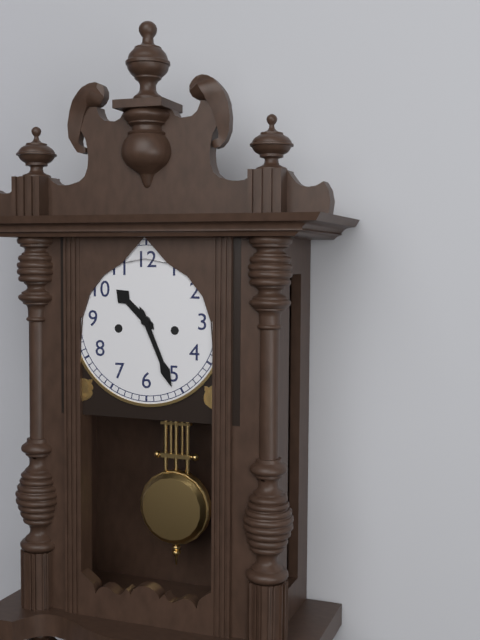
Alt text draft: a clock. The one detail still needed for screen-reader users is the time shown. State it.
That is 10:26
